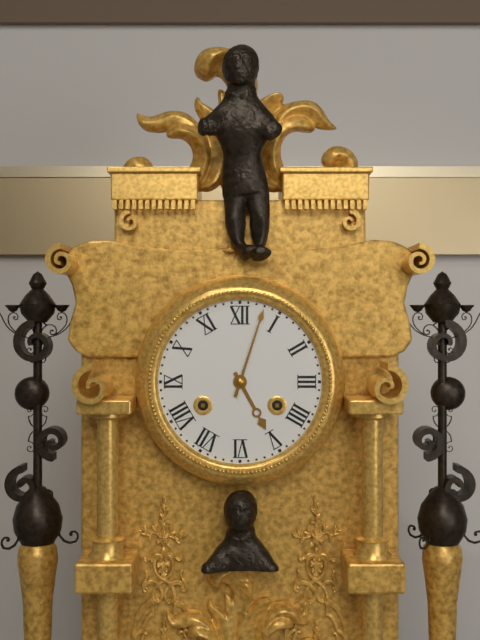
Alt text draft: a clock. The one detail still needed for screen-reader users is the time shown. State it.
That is 5:03
